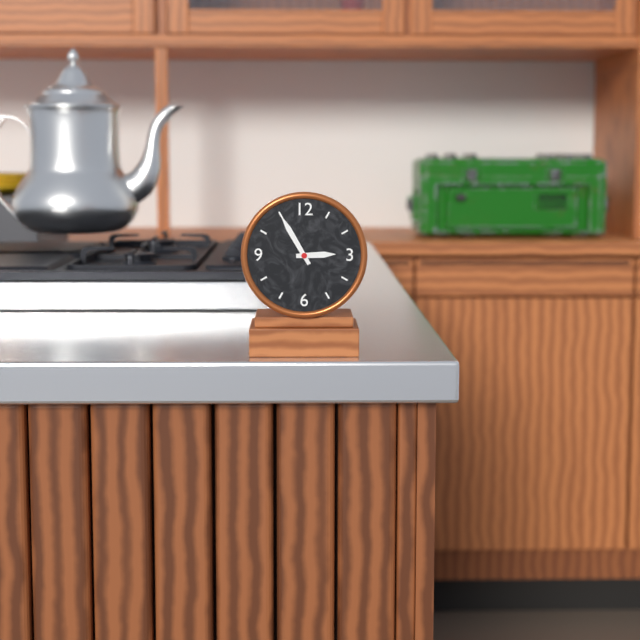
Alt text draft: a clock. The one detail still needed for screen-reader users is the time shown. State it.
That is 2:55
